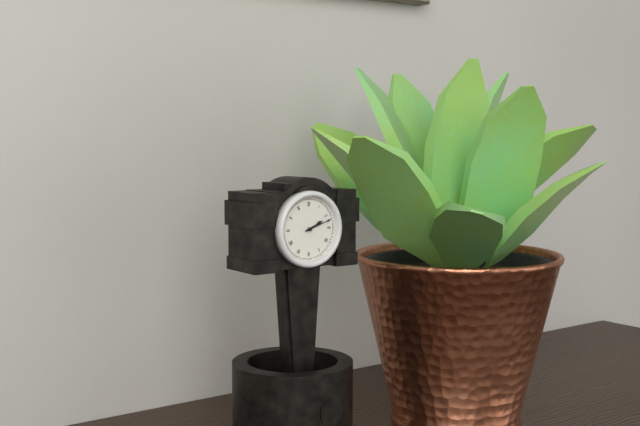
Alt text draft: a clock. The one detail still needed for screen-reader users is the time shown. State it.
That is 2:12
